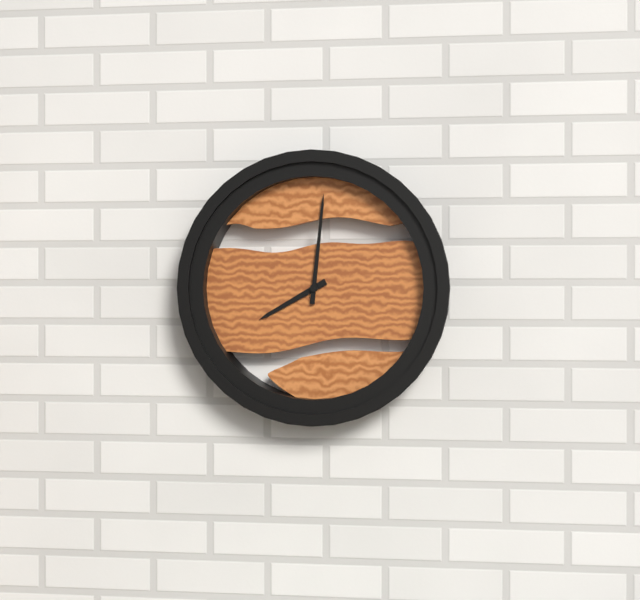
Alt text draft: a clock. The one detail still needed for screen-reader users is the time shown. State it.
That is 8:01
